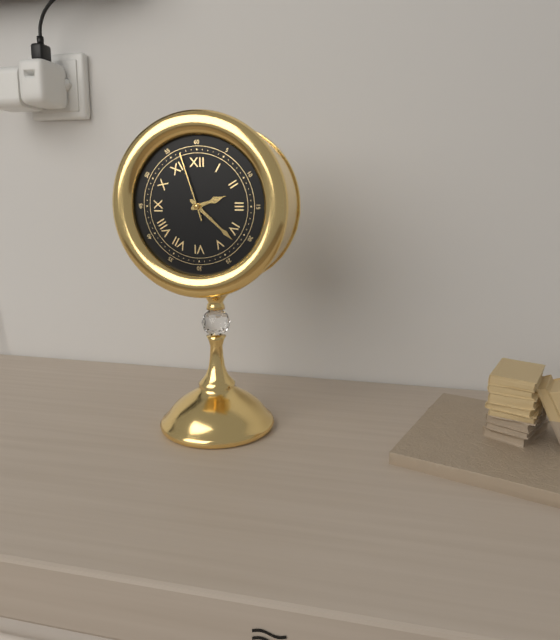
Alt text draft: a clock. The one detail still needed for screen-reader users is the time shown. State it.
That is 2:22:57
